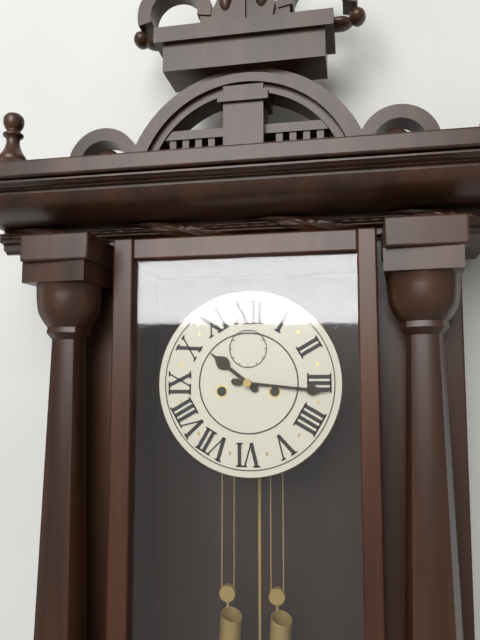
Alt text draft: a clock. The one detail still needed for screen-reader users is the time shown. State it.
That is 10:16
